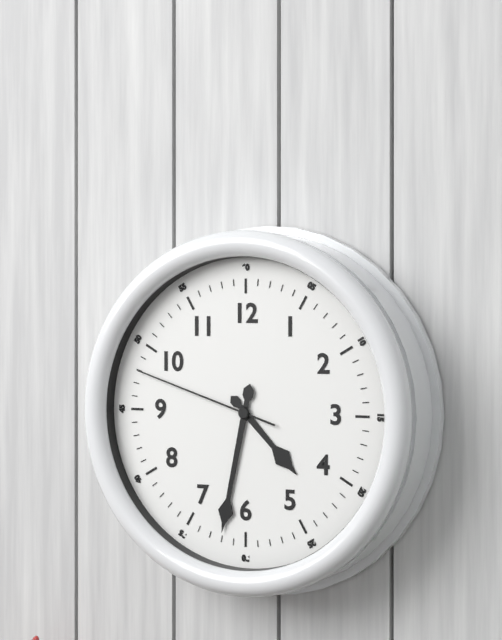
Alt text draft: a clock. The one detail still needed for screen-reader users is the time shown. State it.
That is 4:32:48
